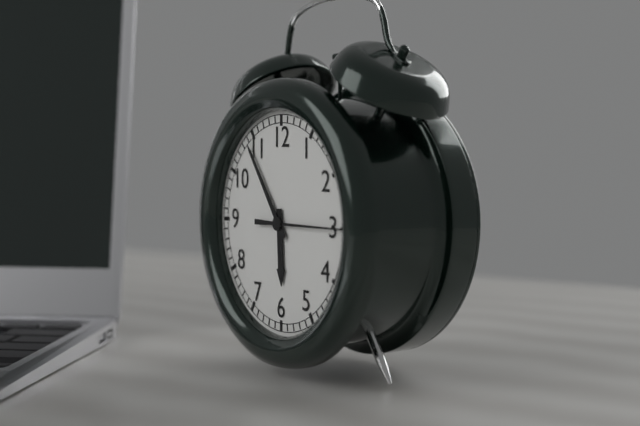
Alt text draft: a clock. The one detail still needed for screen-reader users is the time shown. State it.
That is 5:54:15
